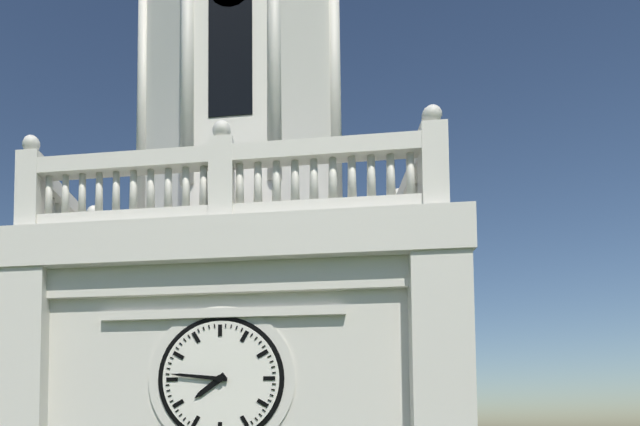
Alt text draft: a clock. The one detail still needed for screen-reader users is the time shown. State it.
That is 7:46
